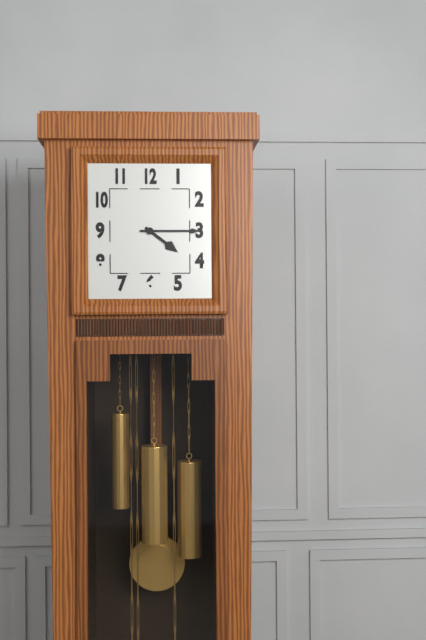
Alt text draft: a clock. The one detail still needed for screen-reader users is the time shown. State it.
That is 4:15
